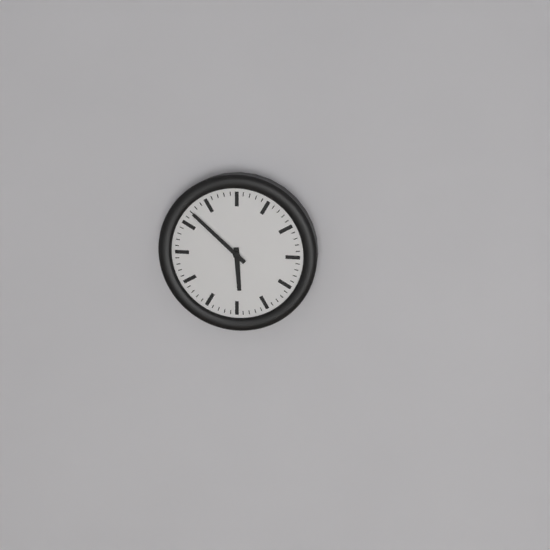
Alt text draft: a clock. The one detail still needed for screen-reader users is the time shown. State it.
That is 5:52
